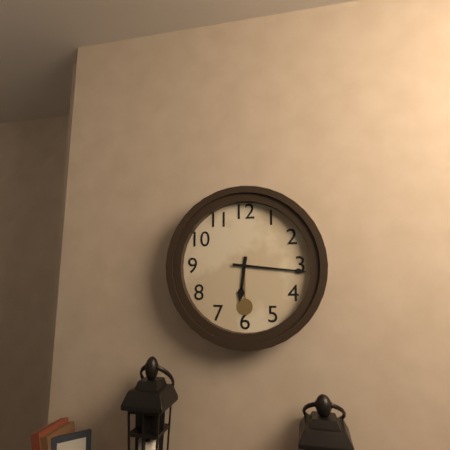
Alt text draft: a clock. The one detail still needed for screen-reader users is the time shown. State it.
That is 6:16
